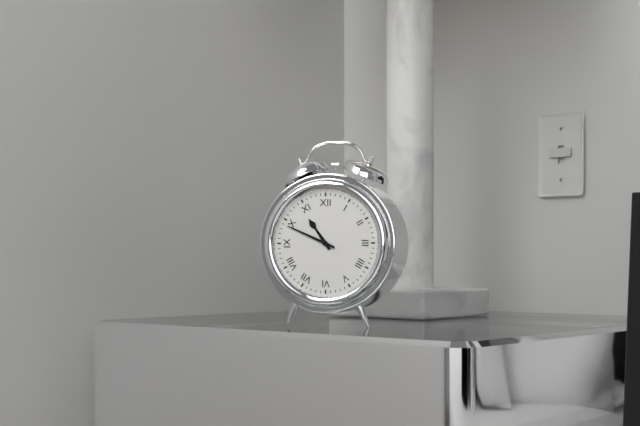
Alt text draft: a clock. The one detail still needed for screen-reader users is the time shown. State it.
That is 10:49
